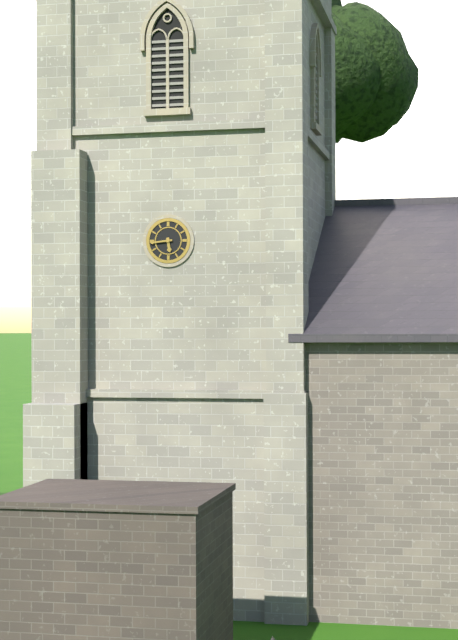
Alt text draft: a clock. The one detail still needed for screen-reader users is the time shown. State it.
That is 5:44
